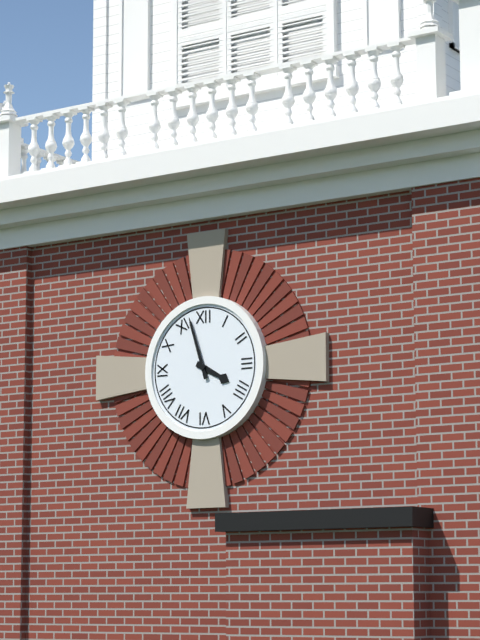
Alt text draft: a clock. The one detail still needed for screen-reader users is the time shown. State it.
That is 3:57
